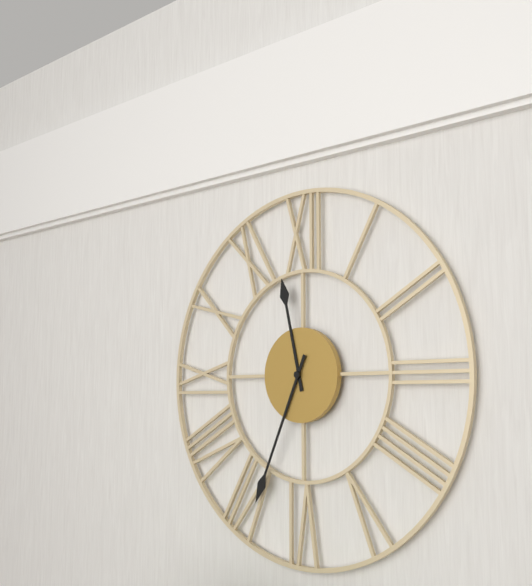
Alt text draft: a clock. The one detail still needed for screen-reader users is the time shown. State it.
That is 11:34
